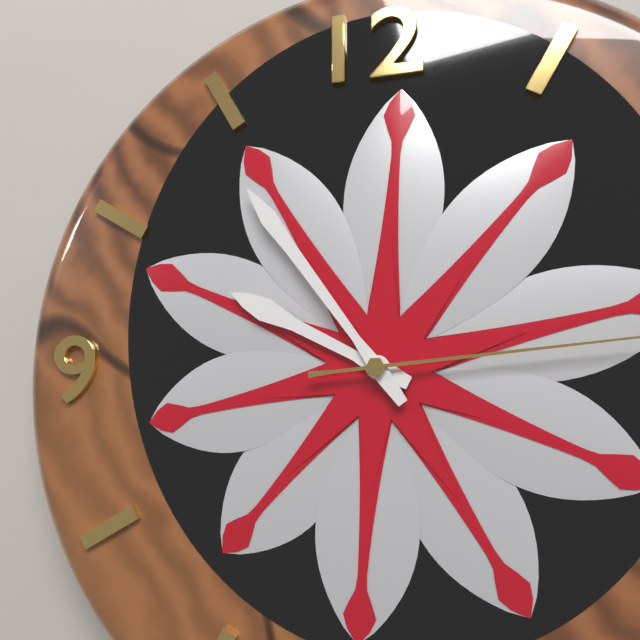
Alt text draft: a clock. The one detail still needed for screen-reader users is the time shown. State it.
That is 9:54
